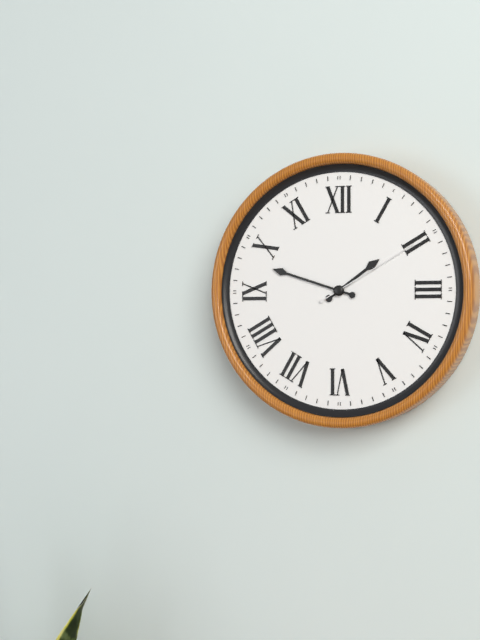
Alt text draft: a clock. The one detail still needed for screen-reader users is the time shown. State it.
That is 1:48:10
